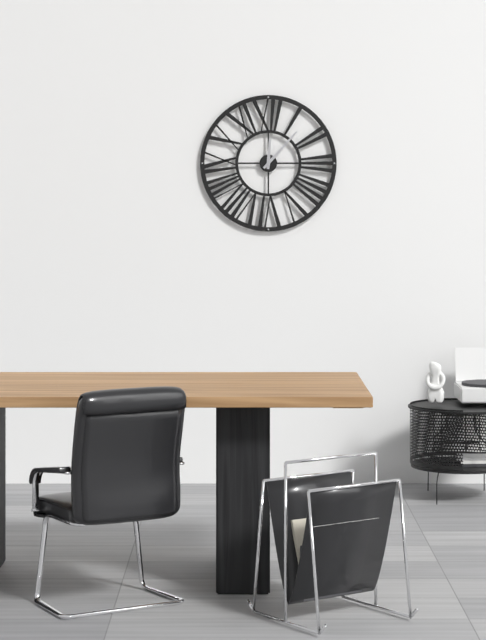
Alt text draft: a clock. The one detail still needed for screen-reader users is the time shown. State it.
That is 12:07
